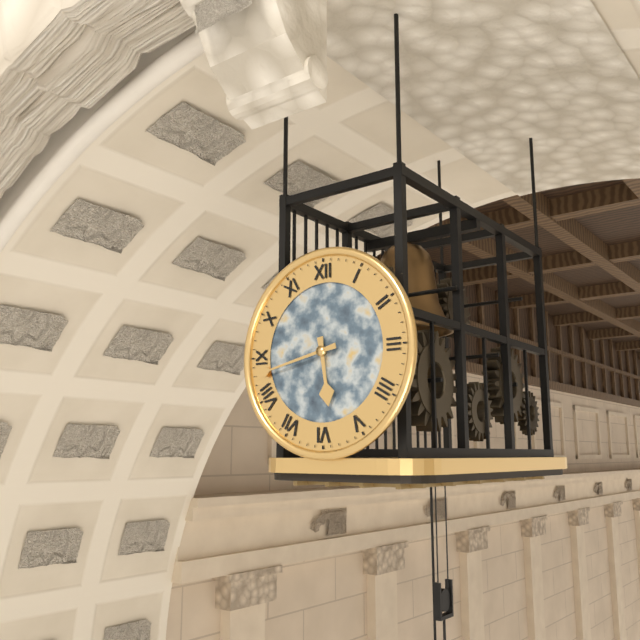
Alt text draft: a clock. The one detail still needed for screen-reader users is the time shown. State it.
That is 5:43
